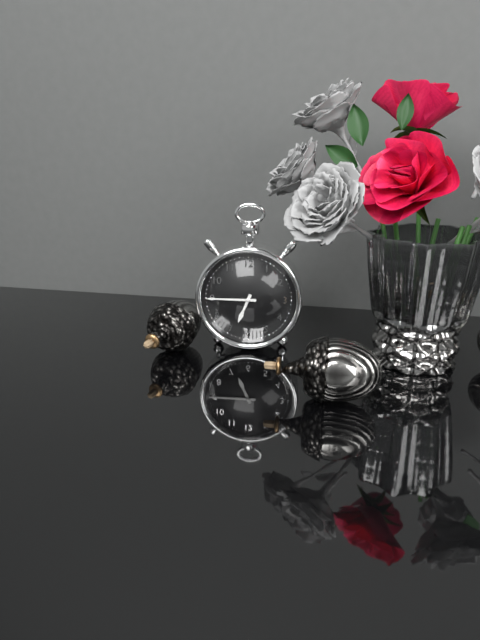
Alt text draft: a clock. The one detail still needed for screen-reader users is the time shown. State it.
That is 6:45
